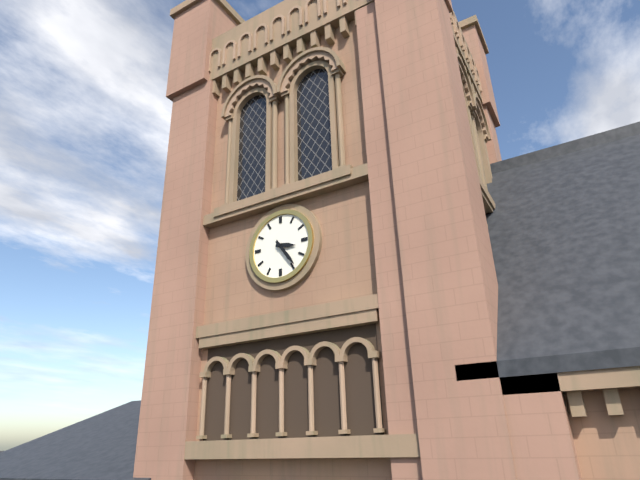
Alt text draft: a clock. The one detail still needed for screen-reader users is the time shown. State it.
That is 3:24
